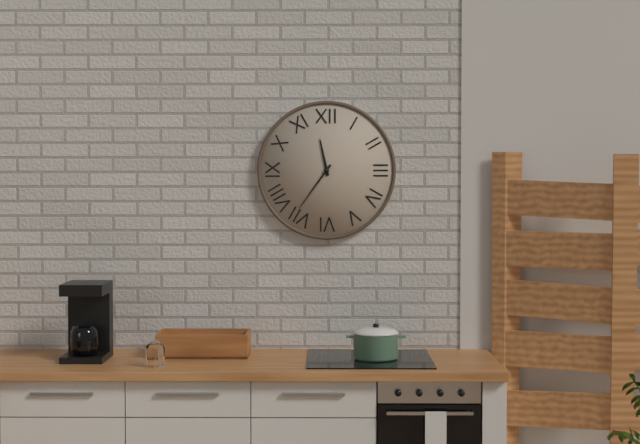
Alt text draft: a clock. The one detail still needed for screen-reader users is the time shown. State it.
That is 11:36
